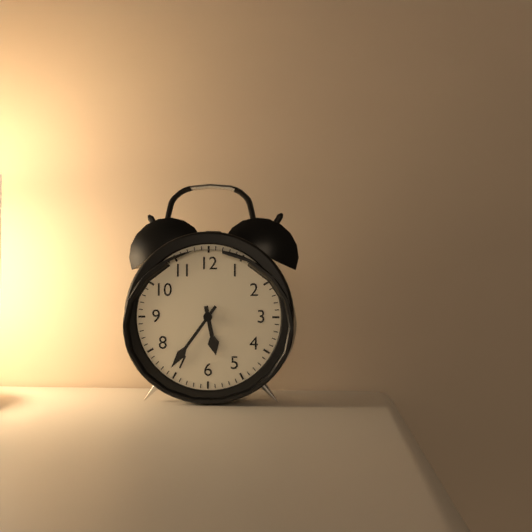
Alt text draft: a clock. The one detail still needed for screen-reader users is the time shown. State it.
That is 5:36
